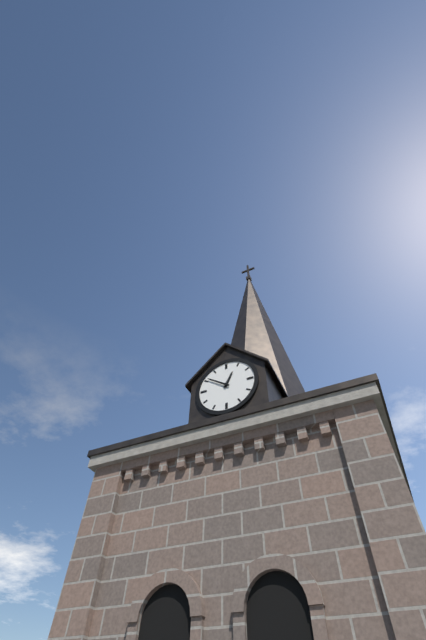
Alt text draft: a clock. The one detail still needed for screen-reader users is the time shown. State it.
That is 12:51
